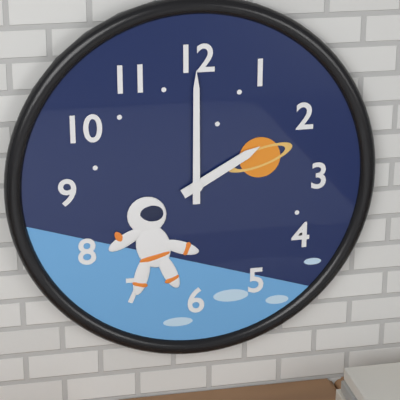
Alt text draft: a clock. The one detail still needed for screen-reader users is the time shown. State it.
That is 2:00
